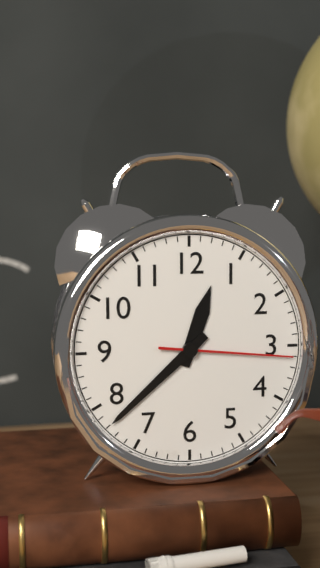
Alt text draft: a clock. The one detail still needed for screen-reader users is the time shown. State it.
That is 12:38:16
